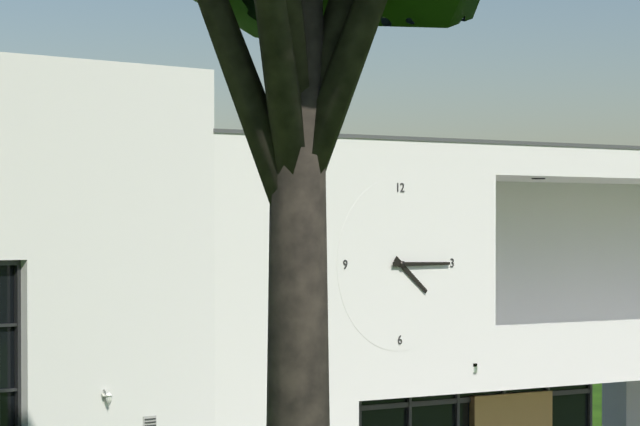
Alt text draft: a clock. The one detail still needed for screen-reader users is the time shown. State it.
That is 4:15
